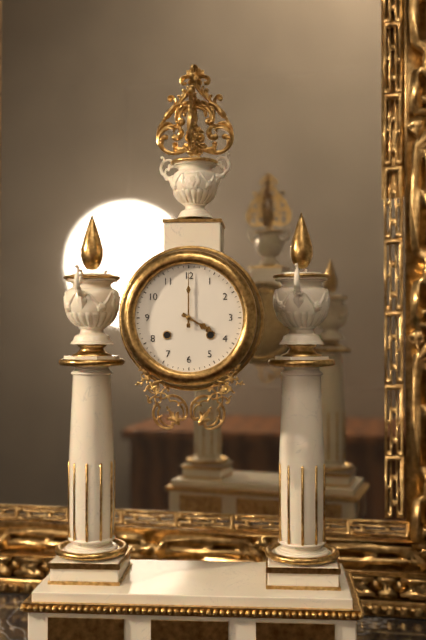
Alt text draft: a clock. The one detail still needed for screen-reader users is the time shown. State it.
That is 4:00
